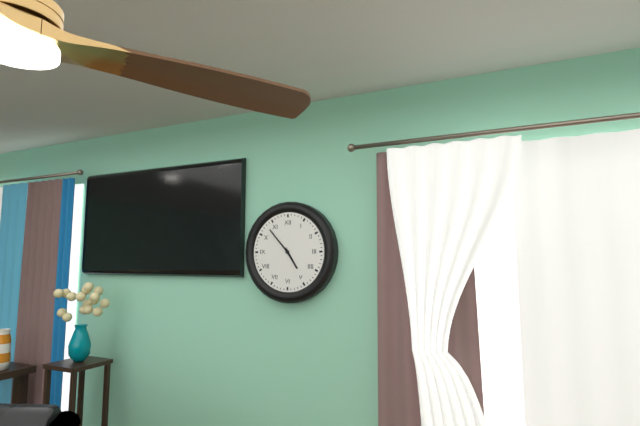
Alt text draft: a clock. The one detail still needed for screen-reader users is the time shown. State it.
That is 4:53
